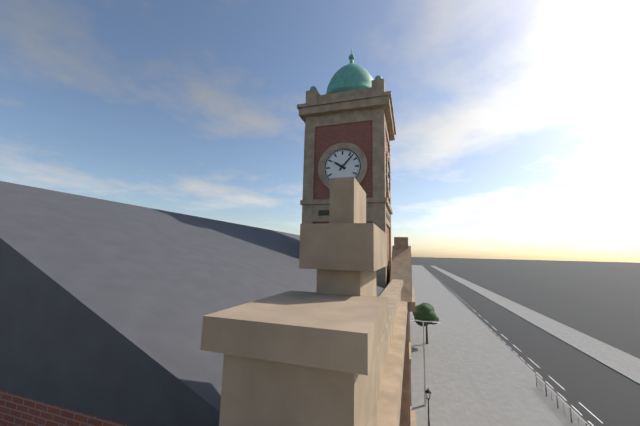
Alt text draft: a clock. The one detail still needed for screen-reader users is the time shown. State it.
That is 10:07
